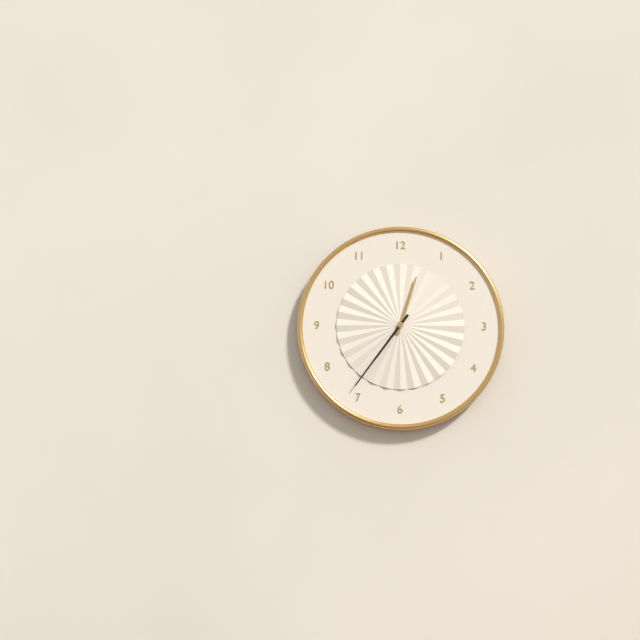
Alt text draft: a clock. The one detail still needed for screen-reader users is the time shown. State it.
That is 12:36
